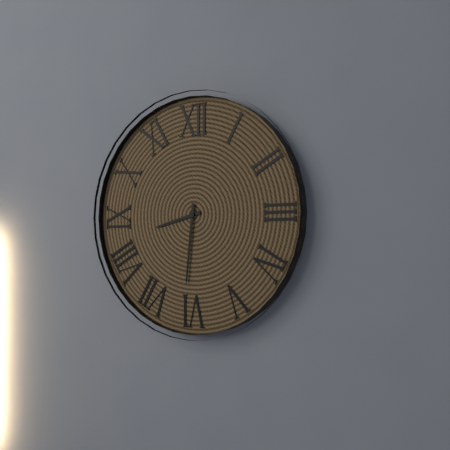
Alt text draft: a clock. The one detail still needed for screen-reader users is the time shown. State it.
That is 8:31
